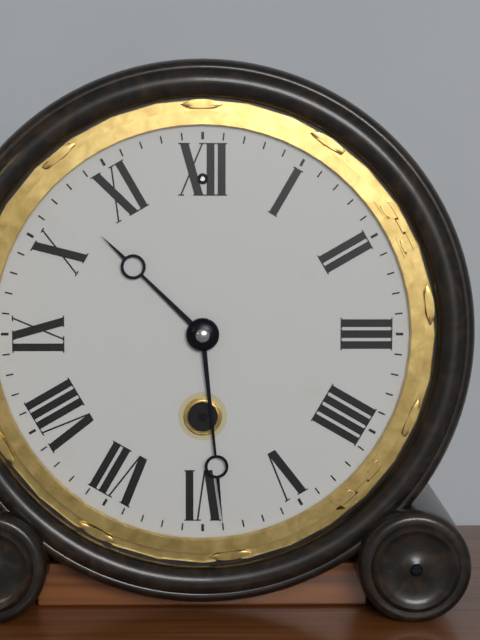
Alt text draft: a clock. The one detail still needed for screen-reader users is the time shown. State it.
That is 10:29
